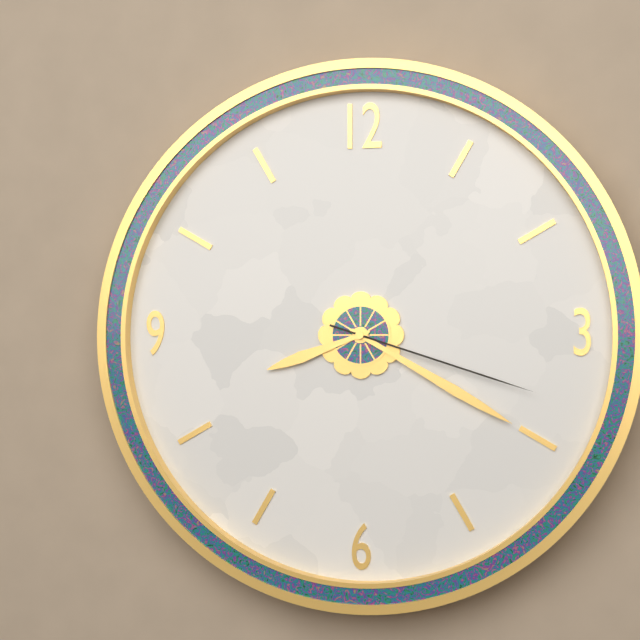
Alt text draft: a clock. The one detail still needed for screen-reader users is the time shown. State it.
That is 8:20:18
